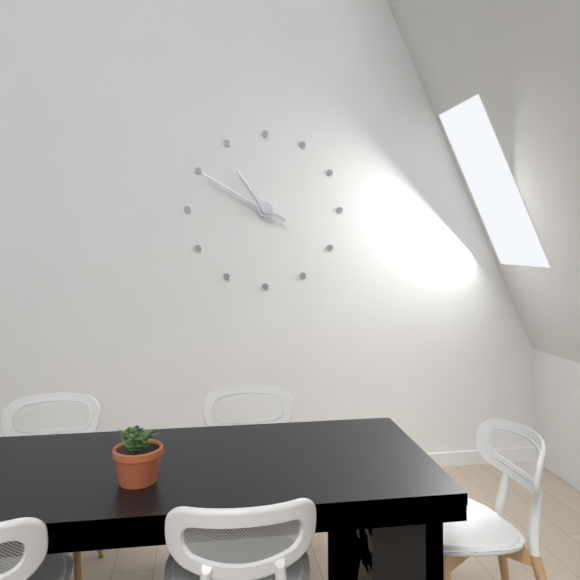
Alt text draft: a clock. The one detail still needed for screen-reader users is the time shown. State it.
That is 10:50
